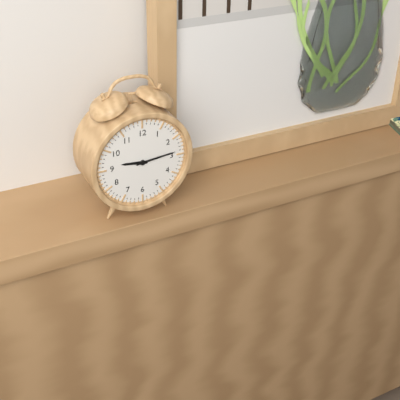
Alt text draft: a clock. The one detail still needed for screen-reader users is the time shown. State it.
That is 9:14
